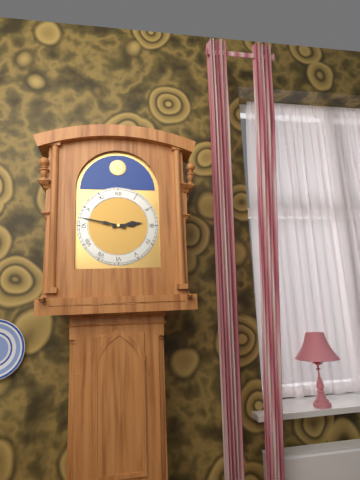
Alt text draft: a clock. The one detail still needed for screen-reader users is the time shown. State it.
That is 2:47
